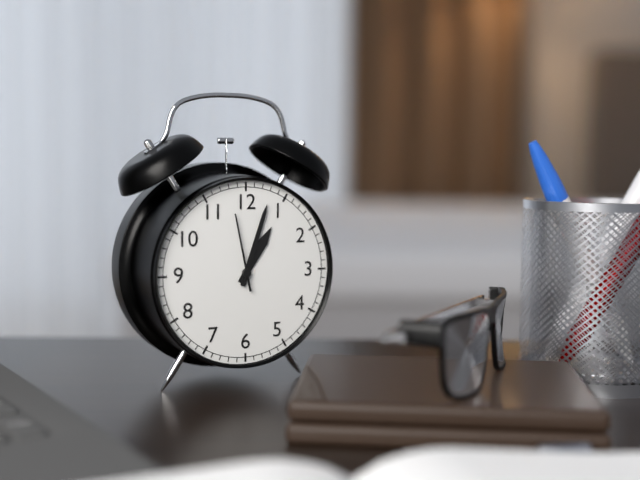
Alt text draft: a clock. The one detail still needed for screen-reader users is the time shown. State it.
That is 1:03:58
